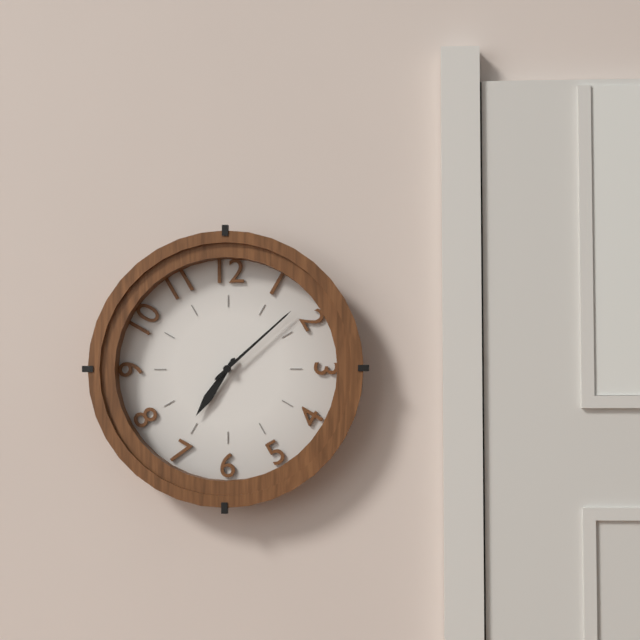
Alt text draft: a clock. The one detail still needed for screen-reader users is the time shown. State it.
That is 7:08
